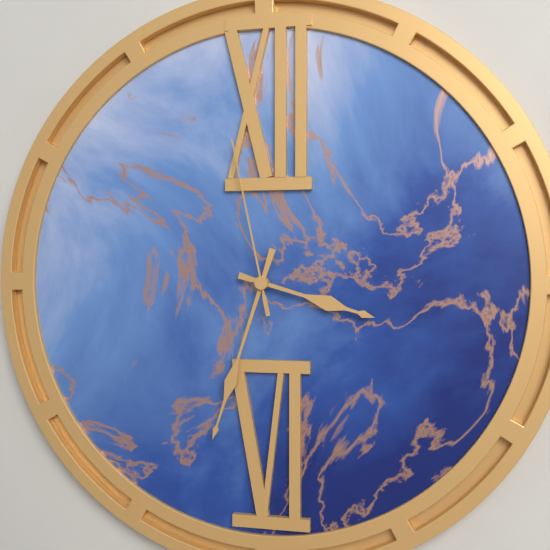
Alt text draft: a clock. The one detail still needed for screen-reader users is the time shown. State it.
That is 3:33:58
